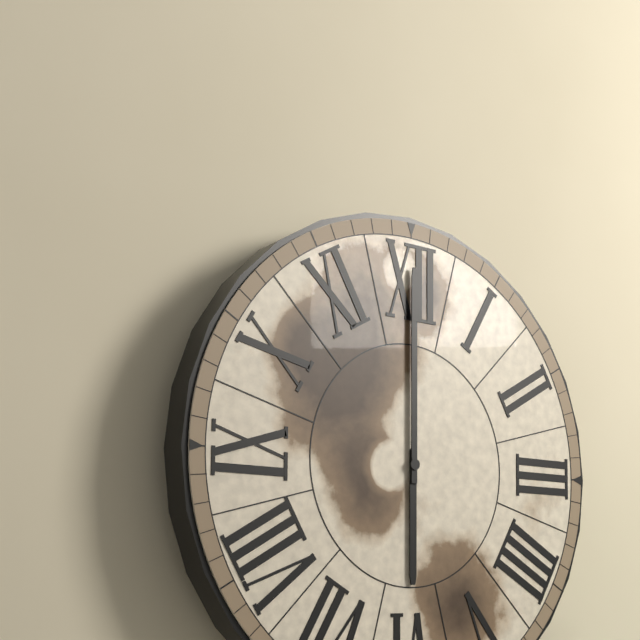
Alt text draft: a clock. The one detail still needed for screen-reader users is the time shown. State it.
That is 6:00
